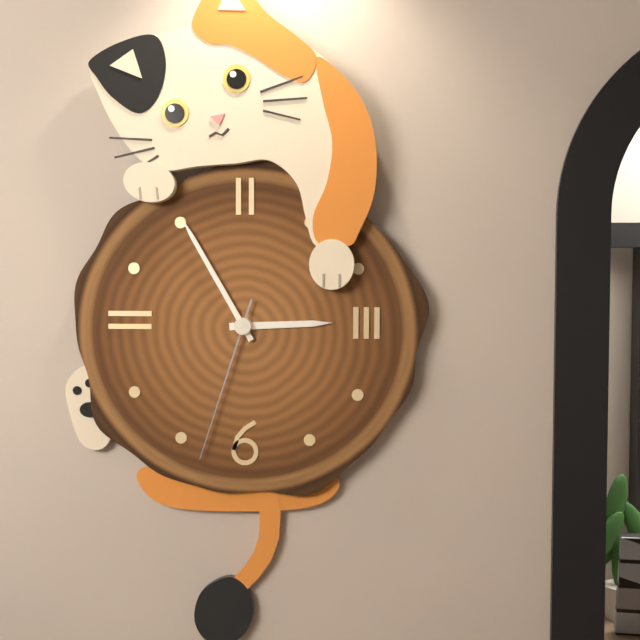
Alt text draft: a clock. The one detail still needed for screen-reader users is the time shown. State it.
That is 2:55:33
